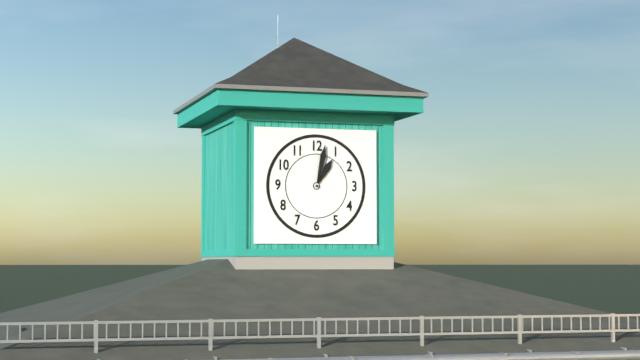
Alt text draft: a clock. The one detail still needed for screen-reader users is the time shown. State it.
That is 1:02
